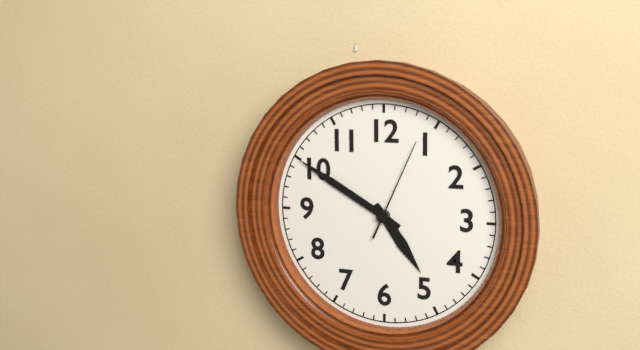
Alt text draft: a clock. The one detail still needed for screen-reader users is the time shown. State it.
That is 4:50:04
